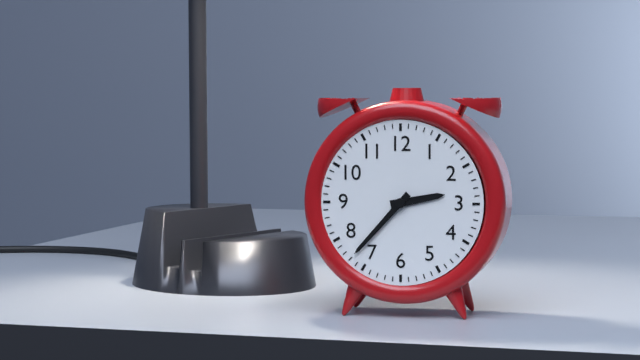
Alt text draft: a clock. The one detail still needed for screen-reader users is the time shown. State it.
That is 2:37
